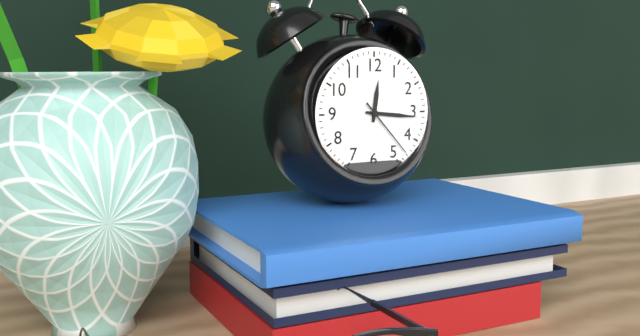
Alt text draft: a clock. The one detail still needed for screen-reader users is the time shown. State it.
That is 12:16:23
